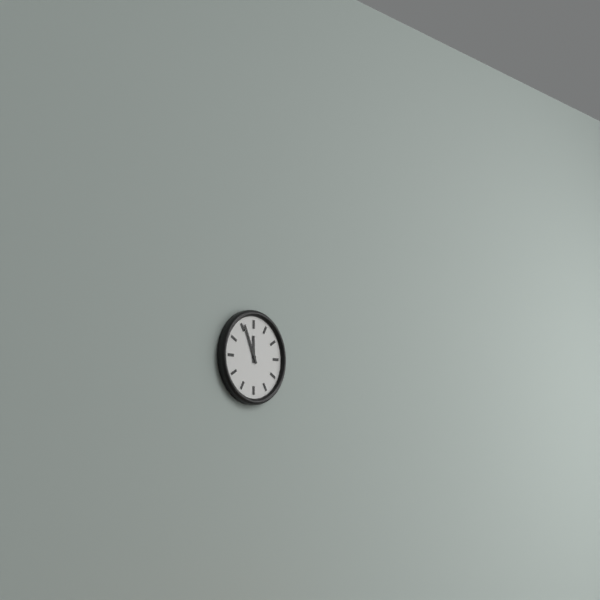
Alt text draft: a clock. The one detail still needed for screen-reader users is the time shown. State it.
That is 11:56
